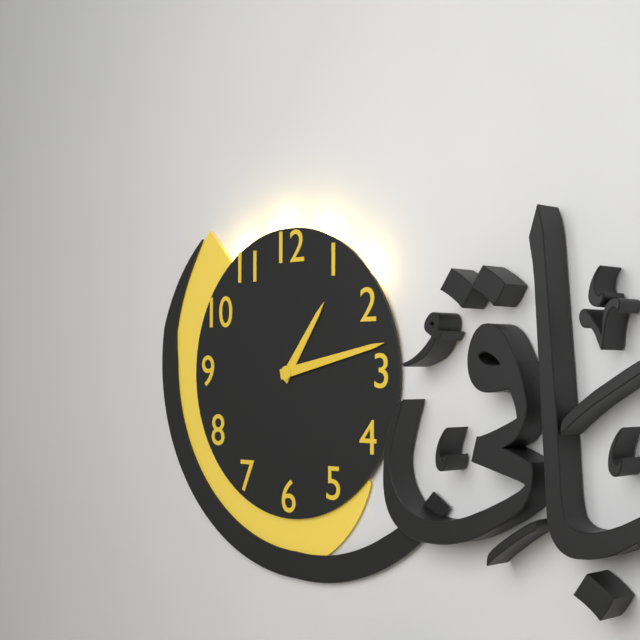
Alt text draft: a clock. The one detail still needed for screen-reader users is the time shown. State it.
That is 1:13
